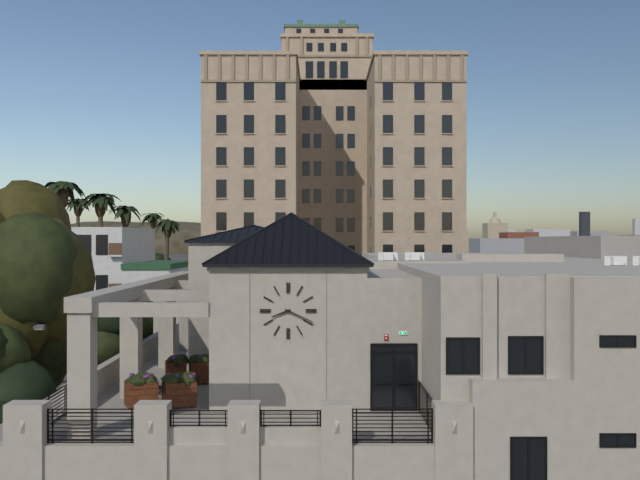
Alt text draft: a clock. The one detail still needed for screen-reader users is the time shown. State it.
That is 8:19
